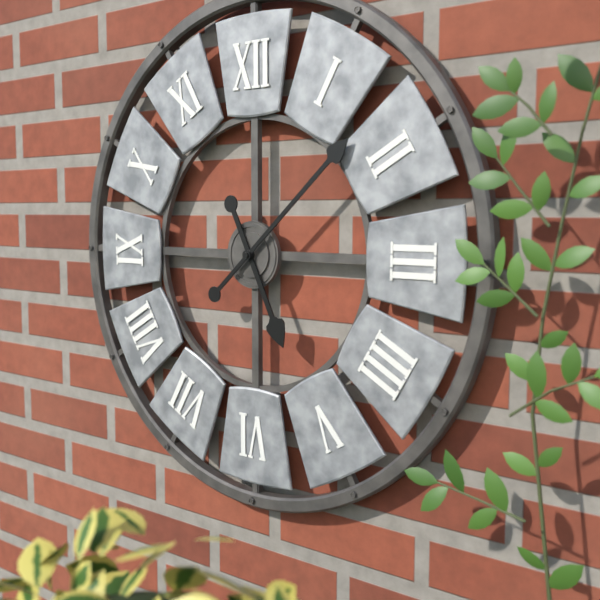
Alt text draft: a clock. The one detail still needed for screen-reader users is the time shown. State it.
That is 5:08
